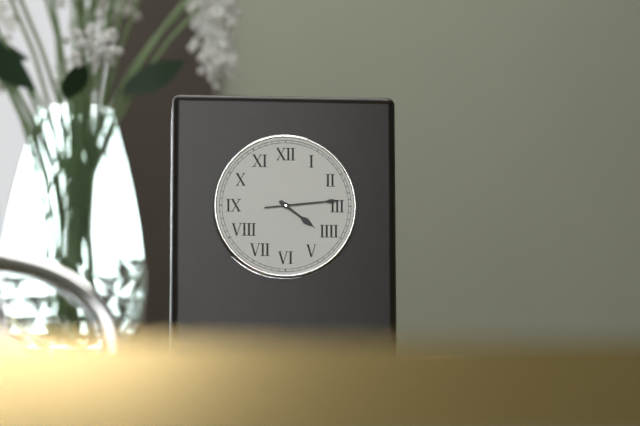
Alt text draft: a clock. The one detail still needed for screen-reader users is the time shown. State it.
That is 4:14
